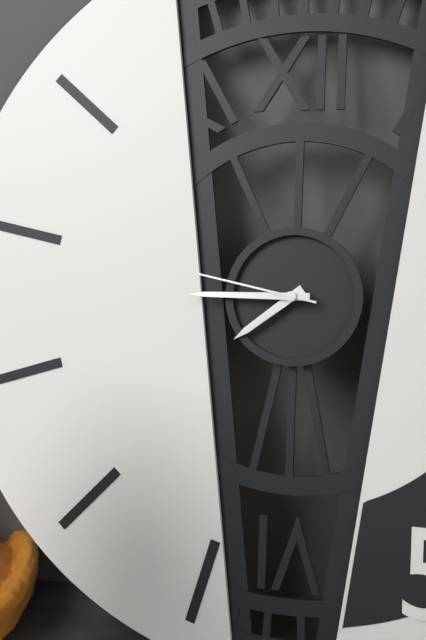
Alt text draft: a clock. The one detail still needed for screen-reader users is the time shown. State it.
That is 7:45:47
